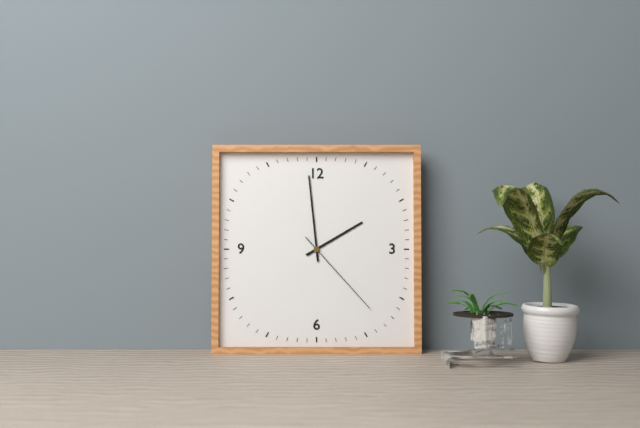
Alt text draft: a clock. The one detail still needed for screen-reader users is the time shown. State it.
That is 1:59:23
